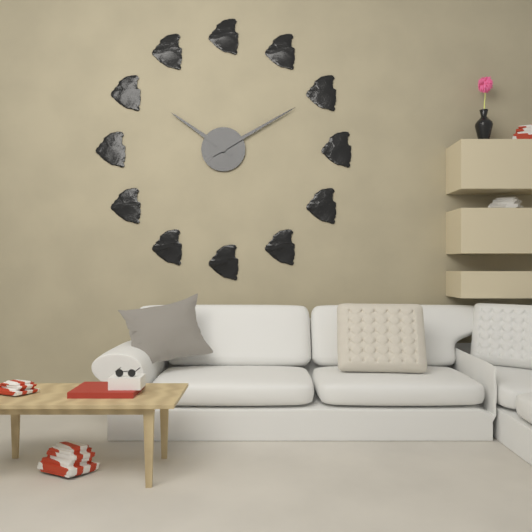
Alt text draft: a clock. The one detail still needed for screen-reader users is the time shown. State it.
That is 10:10
